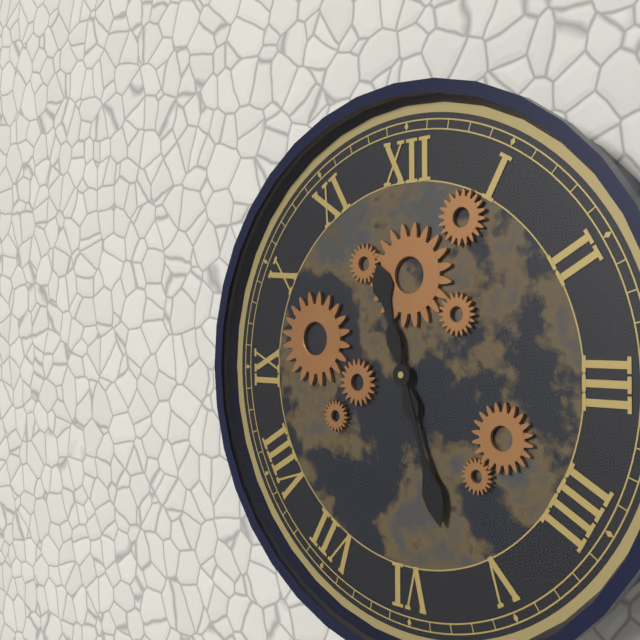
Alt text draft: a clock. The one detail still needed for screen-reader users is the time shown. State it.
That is 11:27
